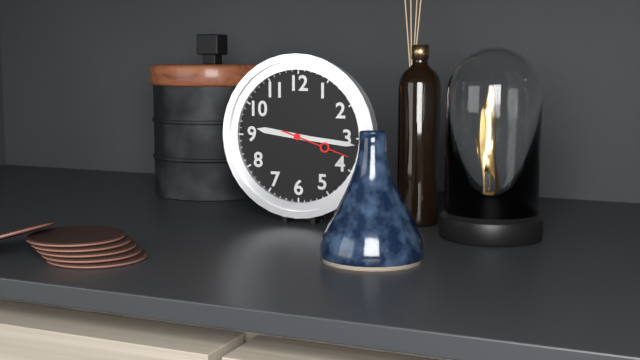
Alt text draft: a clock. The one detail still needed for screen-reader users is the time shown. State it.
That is 9:16:18
